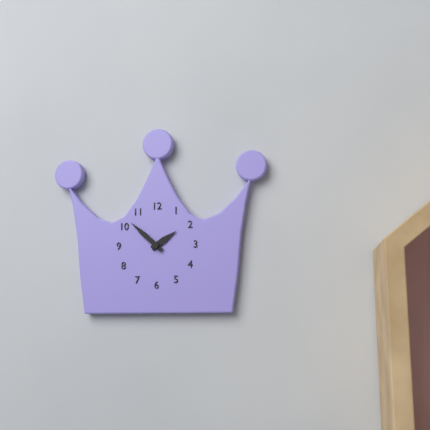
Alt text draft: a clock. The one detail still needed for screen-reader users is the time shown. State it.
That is 1:52
